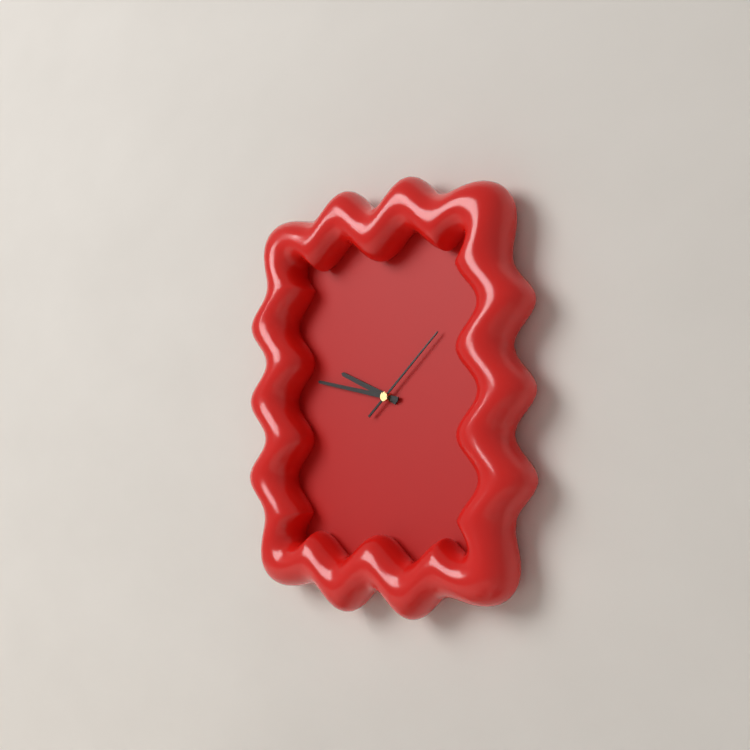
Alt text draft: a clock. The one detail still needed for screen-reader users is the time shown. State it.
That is 9:47:08
